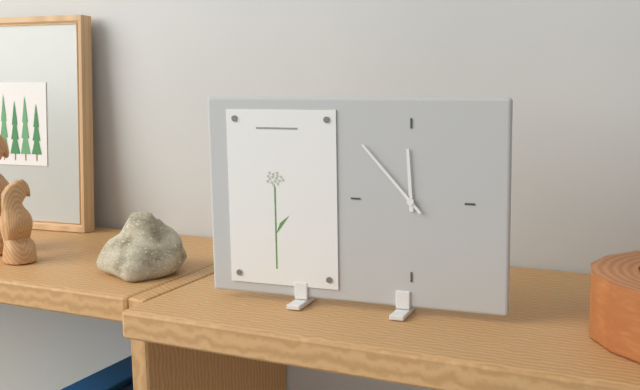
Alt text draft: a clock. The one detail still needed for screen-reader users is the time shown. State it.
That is 11:53
